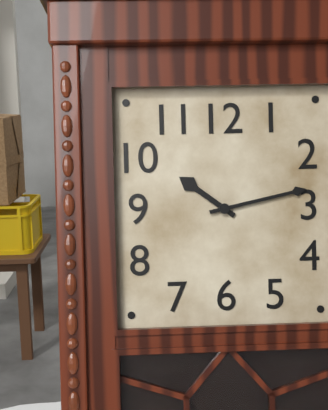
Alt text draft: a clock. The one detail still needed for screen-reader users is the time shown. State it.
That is 10:13
